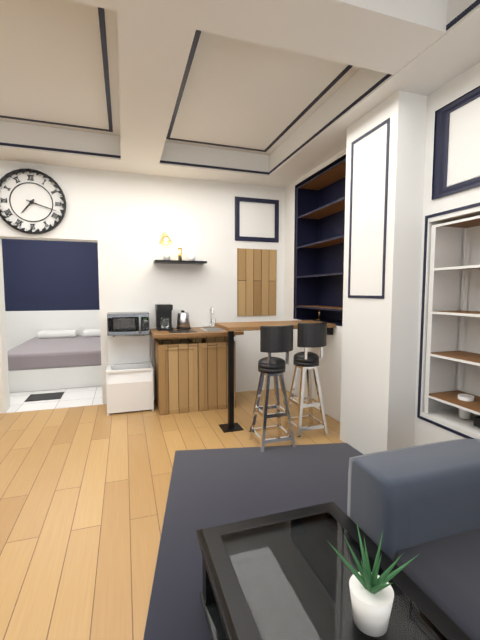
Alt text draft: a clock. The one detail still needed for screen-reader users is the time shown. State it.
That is 7:18
